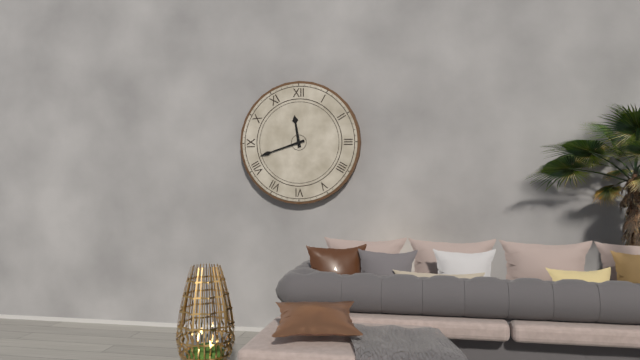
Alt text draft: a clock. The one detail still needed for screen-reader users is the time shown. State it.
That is 11:42
